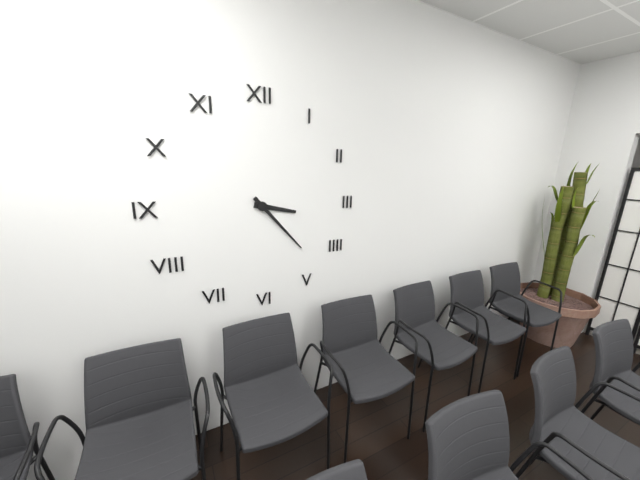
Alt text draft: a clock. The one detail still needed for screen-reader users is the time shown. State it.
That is 3:23
